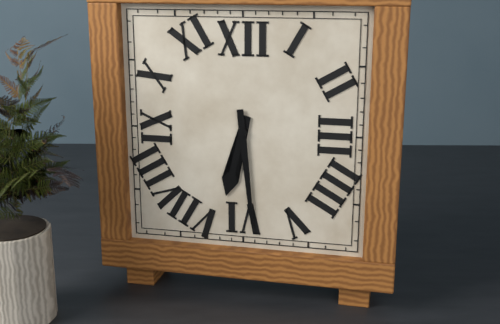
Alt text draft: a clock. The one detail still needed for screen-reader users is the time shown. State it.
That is 6:29
